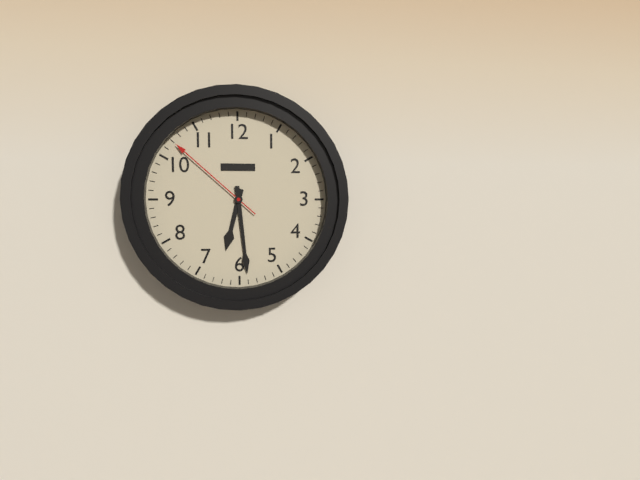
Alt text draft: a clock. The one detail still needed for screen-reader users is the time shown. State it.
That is 6:29:52
